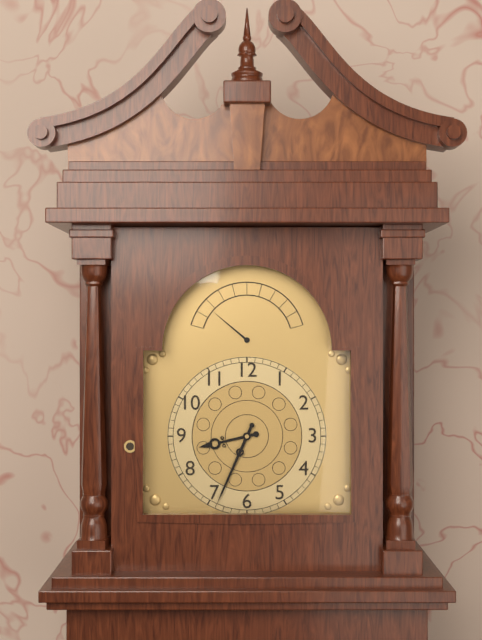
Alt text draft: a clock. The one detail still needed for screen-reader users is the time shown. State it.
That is 8:34
